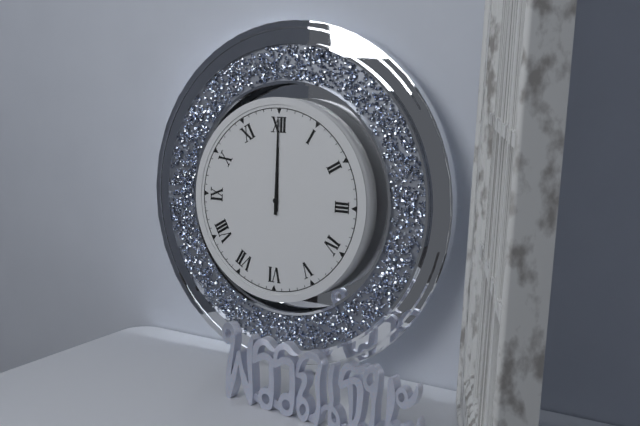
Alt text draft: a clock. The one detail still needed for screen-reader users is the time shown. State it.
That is 12:00
